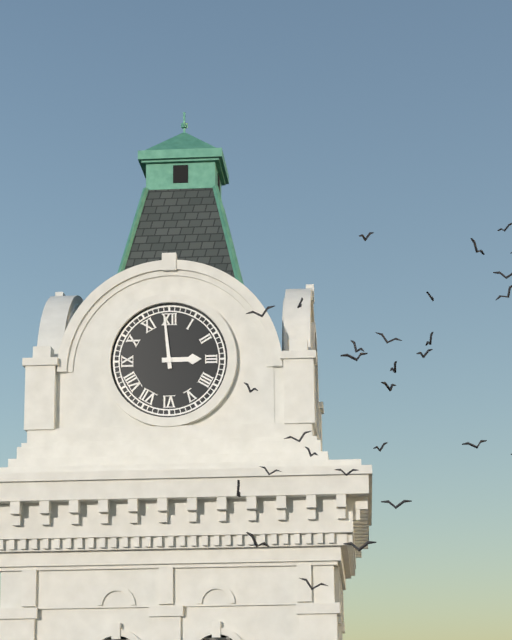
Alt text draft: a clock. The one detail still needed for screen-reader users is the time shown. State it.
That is 2:59
